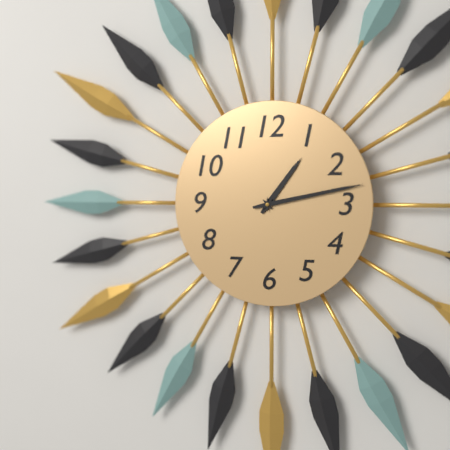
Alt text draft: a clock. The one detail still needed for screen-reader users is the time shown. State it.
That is 1:13
